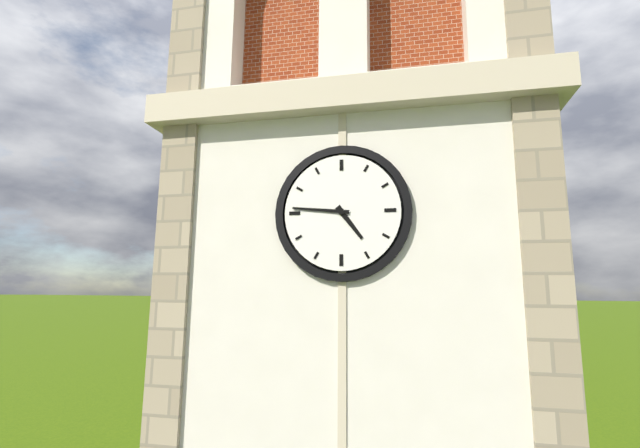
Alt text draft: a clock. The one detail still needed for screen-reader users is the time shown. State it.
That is 4:46
